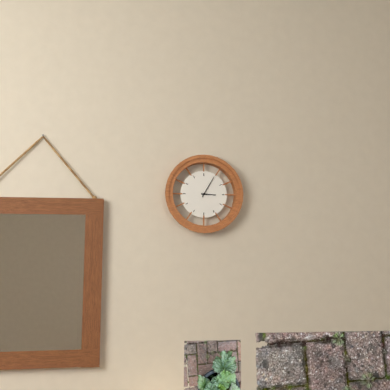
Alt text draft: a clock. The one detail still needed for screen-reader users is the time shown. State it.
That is 3:05
